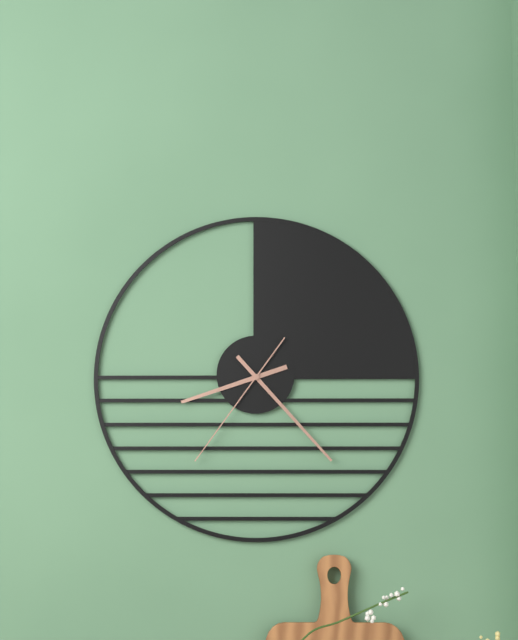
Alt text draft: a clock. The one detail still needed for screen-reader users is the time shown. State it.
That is 8:23:36
